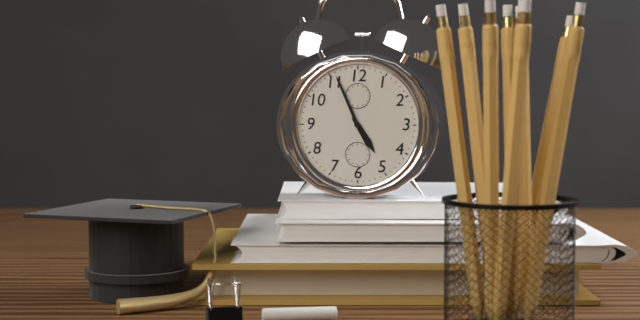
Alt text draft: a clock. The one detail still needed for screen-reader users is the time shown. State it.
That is 4:56
